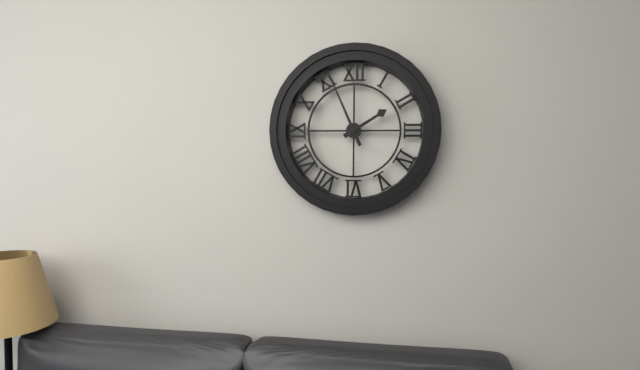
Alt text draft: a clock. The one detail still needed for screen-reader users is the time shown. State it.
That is 1:56
